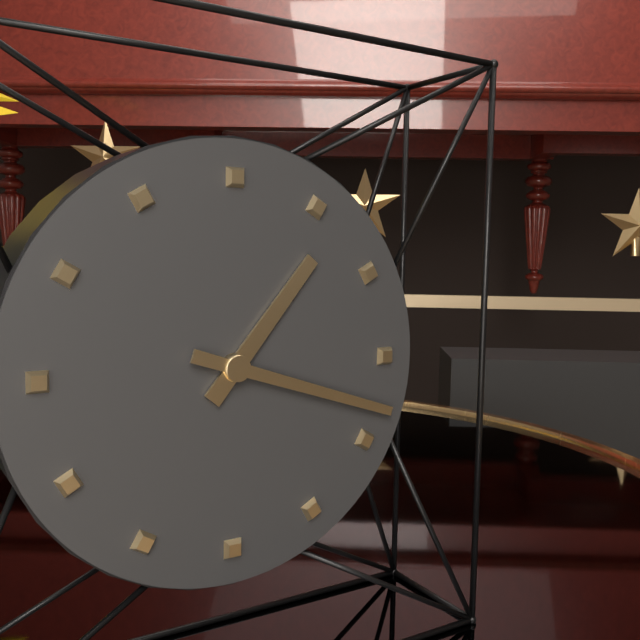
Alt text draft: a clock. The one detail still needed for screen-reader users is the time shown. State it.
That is 1:18
